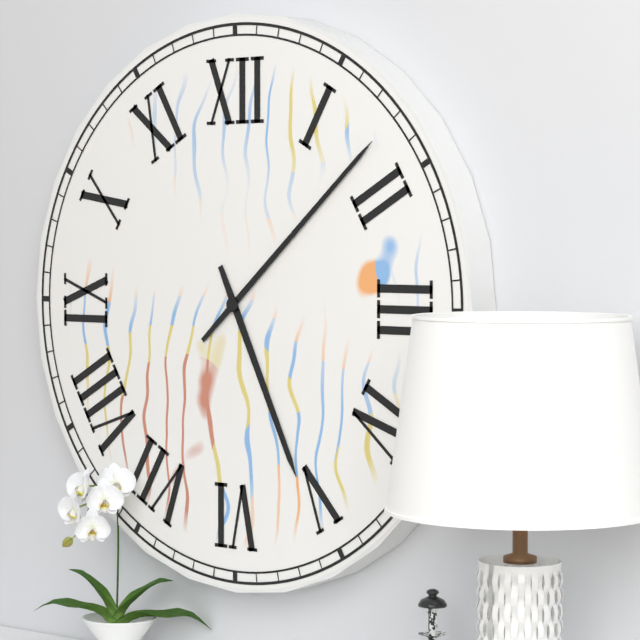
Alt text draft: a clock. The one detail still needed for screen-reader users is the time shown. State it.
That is 5:08
